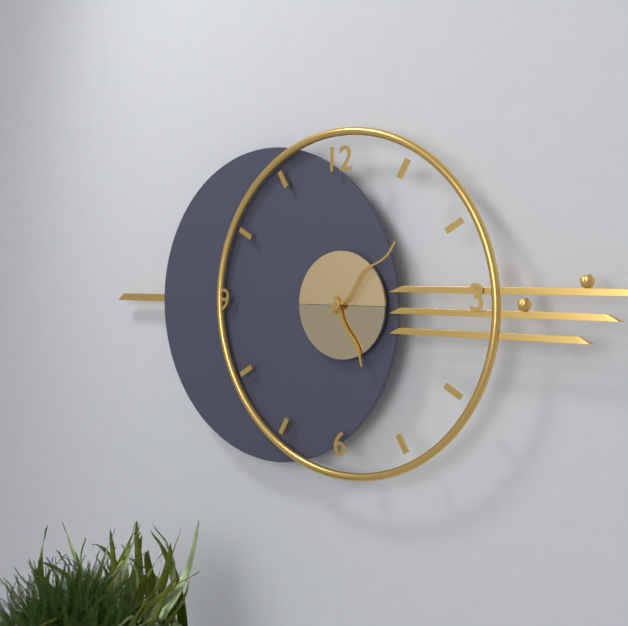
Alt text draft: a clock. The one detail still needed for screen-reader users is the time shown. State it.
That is 5:08
